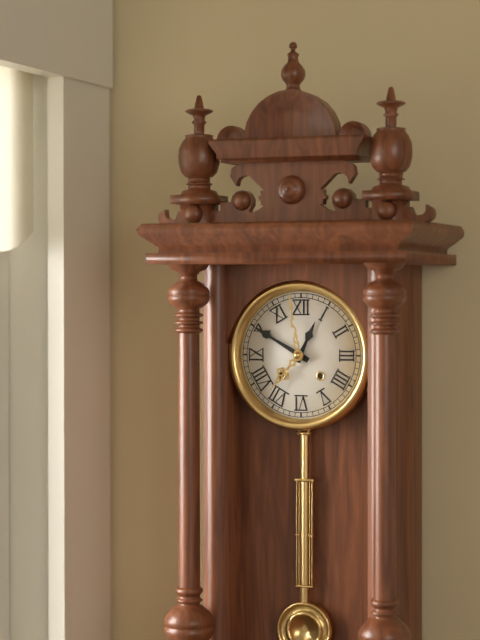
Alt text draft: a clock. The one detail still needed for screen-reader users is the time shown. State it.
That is 12:50
